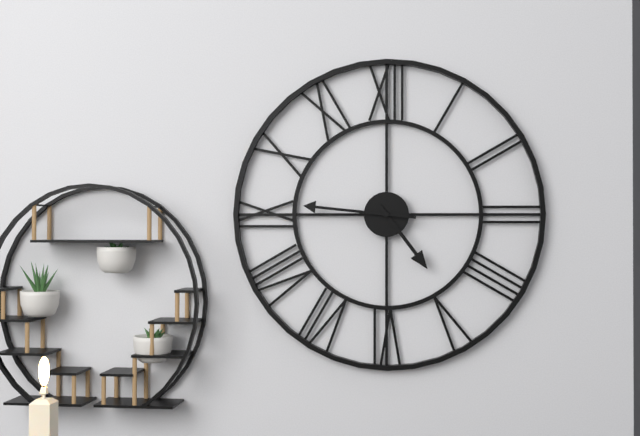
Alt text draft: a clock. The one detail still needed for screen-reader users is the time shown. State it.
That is 4:46
